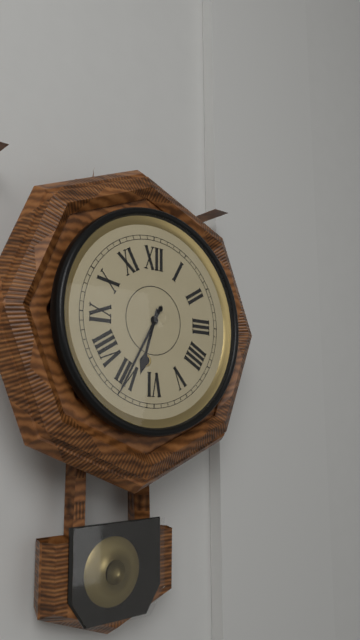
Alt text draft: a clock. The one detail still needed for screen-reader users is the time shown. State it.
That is 6:35
